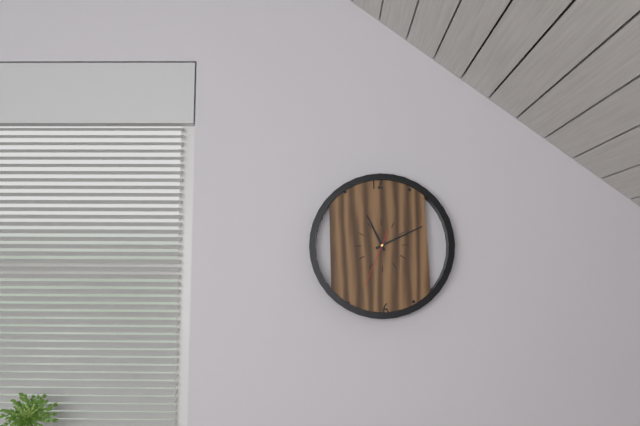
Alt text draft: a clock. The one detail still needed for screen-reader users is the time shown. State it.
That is 11:11:34
